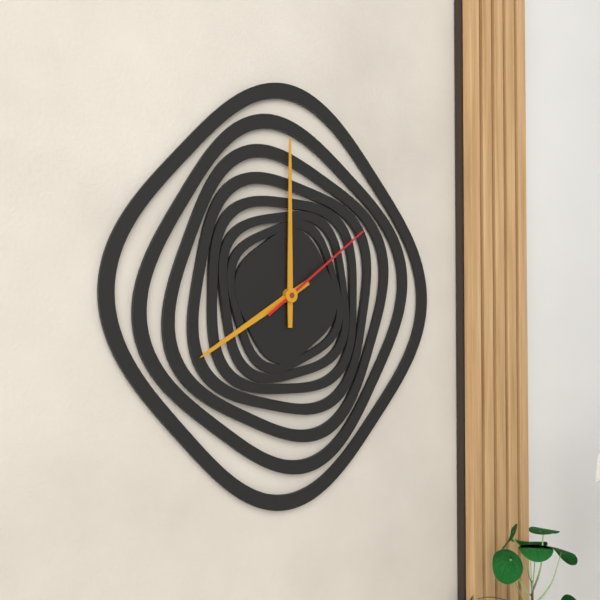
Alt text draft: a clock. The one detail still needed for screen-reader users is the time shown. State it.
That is 8:00:09
